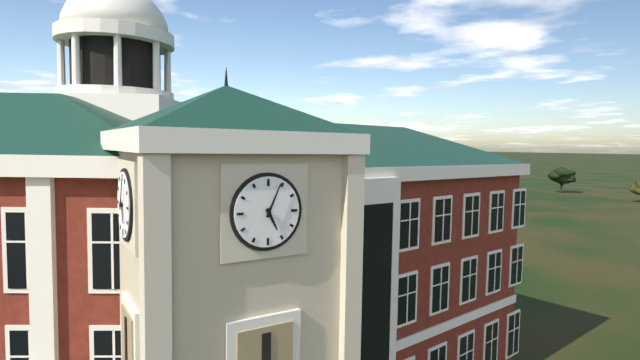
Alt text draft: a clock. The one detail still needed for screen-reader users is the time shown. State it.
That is 5:04
